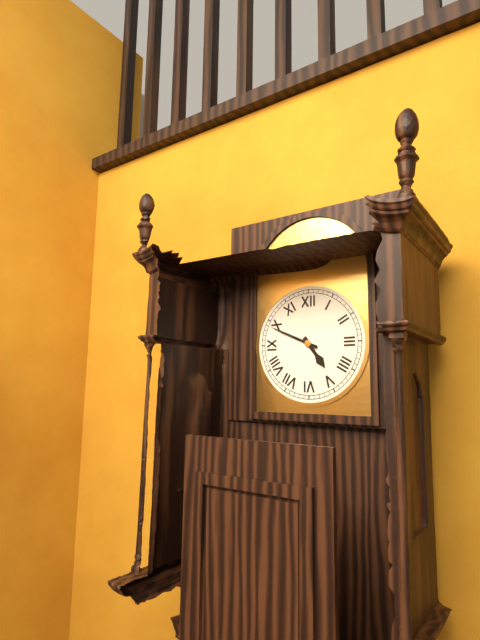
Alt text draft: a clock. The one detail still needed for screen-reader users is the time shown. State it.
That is 4:49
